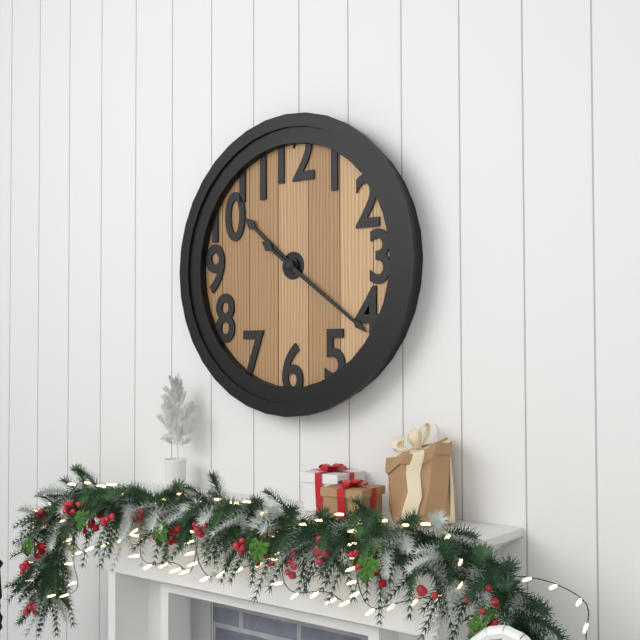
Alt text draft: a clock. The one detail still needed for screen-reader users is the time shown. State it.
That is 10:21
